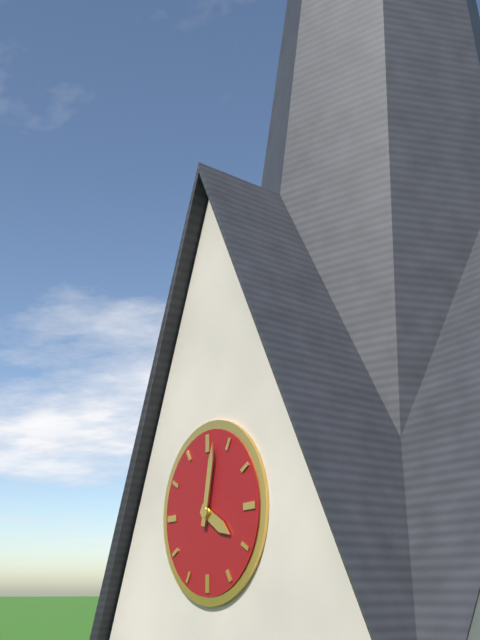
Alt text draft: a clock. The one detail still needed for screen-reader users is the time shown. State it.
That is 4:02
